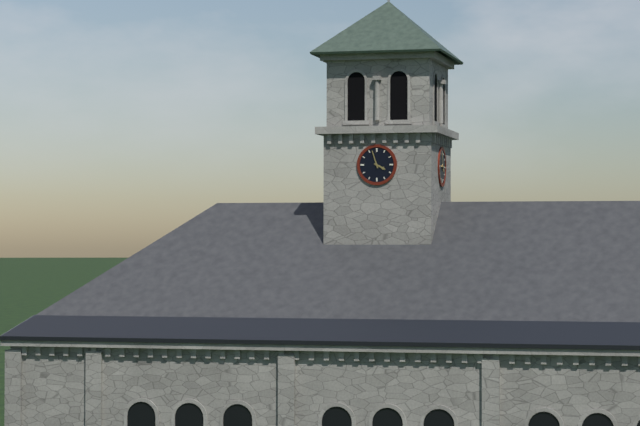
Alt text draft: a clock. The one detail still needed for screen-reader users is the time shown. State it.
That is 3:57
